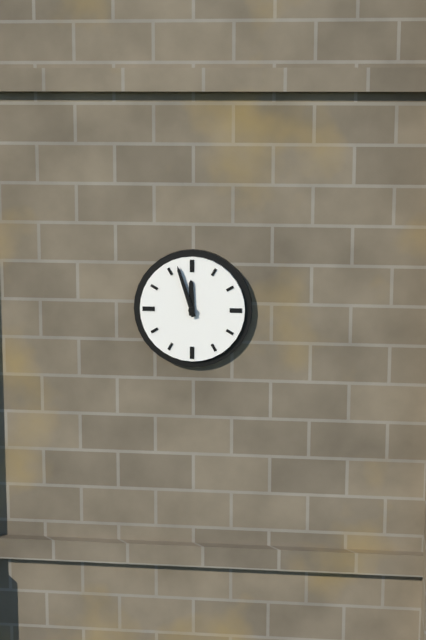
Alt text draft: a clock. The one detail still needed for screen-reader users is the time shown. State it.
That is 11:57
